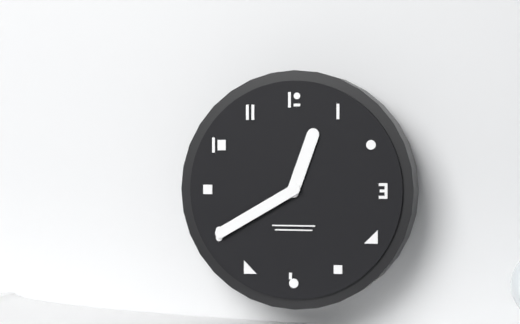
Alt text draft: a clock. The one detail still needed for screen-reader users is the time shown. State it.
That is 12:40
